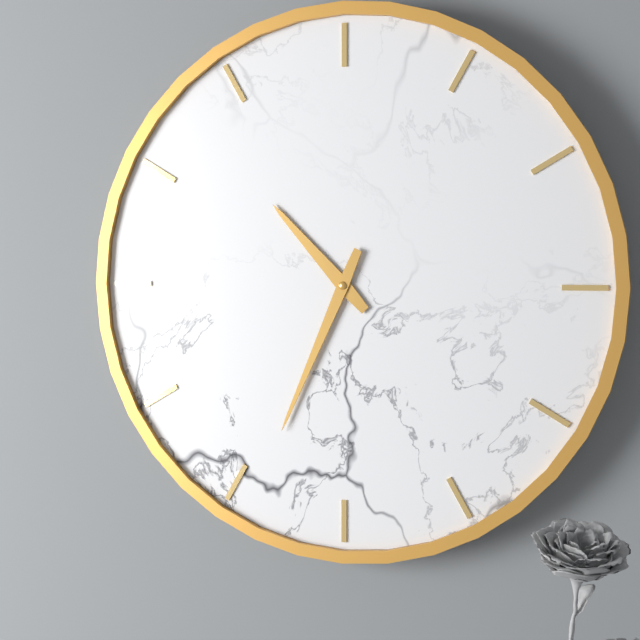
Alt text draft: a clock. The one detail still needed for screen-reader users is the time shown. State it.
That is 10:34
